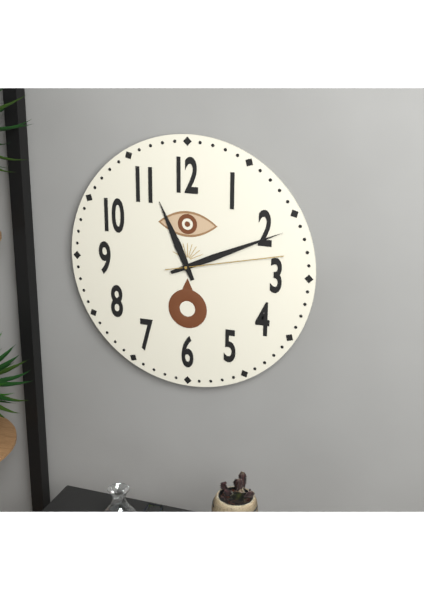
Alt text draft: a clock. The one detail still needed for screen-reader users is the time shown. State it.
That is 11:11:13
